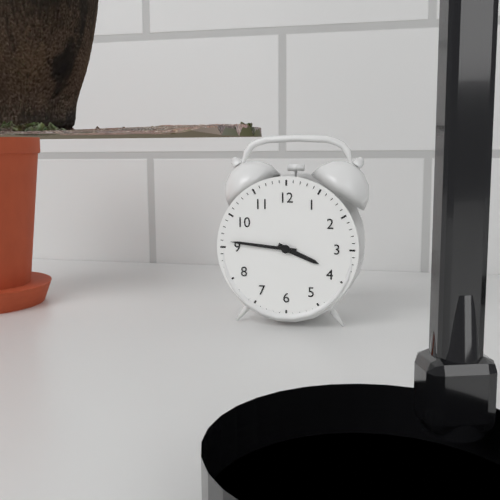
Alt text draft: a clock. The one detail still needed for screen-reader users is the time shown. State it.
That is 3:46
